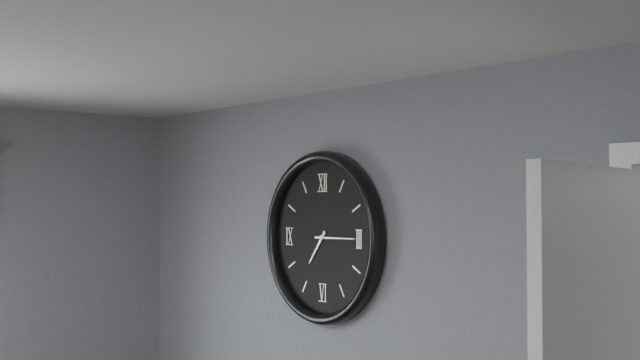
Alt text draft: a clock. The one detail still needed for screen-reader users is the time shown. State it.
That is 7:15
